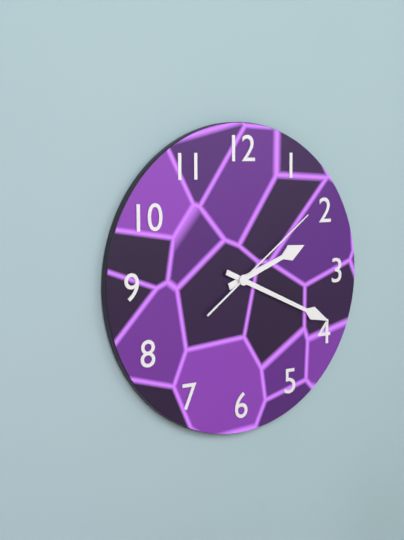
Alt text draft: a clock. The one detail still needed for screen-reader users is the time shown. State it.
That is 2:19:09
